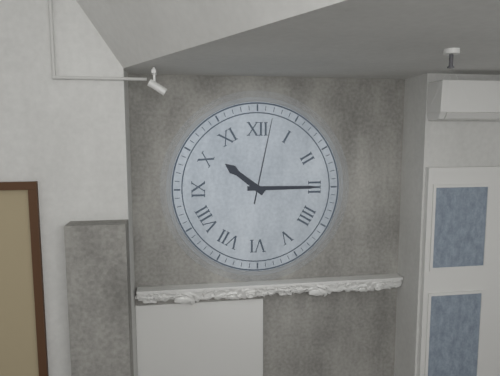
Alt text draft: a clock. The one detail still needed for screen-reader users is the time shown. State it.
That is 10:15:02
